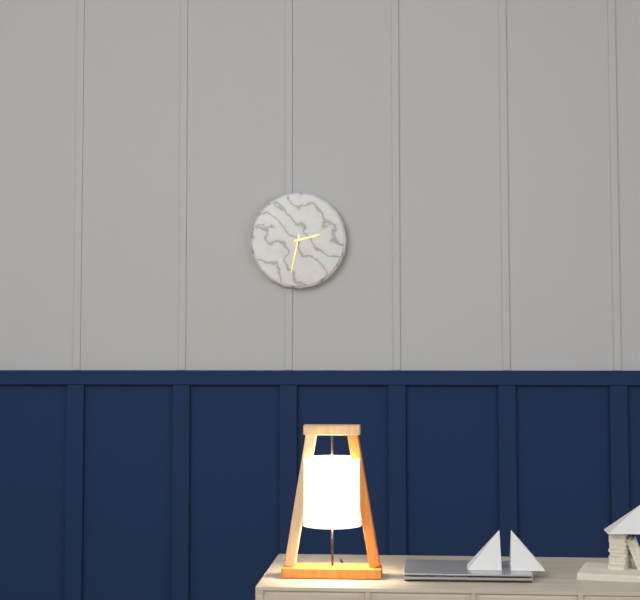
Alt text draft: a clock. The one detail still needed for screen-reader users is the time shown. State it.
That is 2:32
